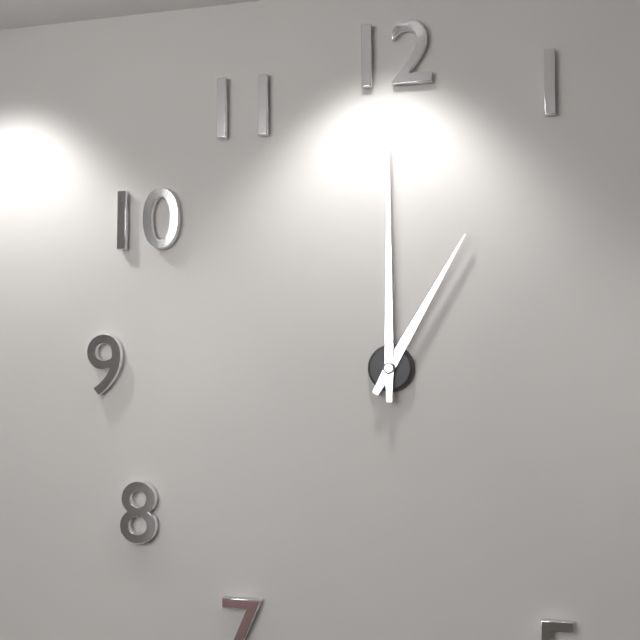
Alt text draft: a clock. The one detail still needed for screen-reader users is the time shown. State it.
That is 1:00
